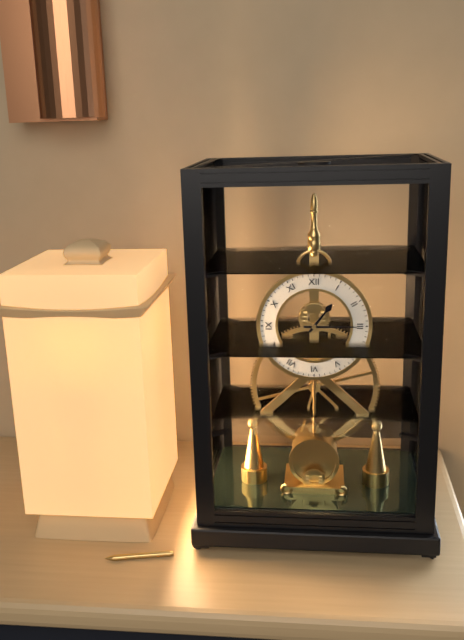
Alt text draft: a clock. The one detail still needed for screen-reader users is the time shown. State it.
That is 1:15
